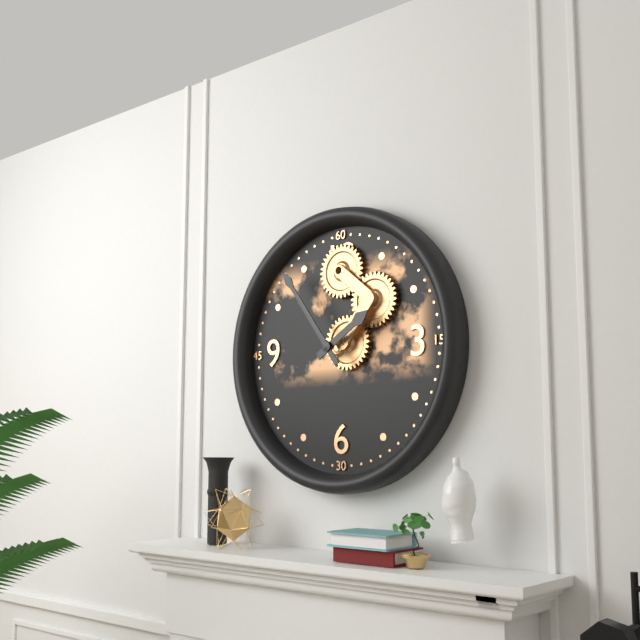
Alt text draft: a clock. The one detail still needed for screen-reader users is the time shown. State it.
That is 1:54
